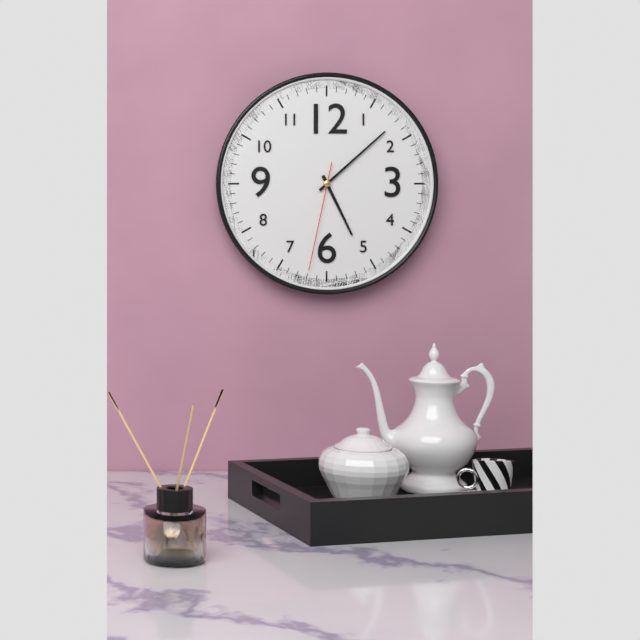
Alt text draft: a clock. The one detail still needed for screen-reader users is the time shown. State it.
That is 5:08:32
